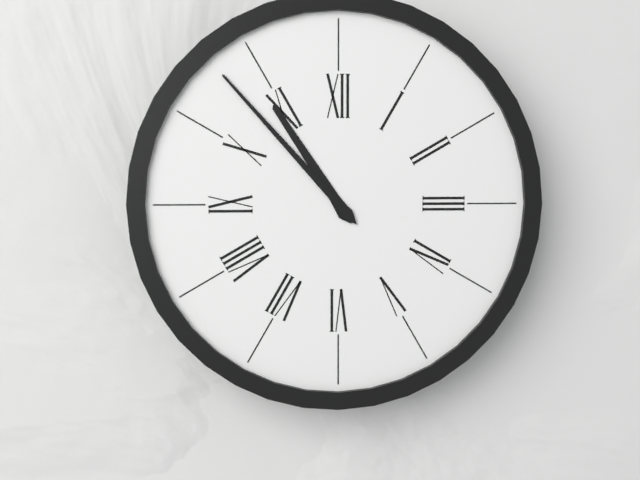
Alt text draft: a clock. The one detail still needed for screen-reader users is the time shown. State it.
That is 10:53
